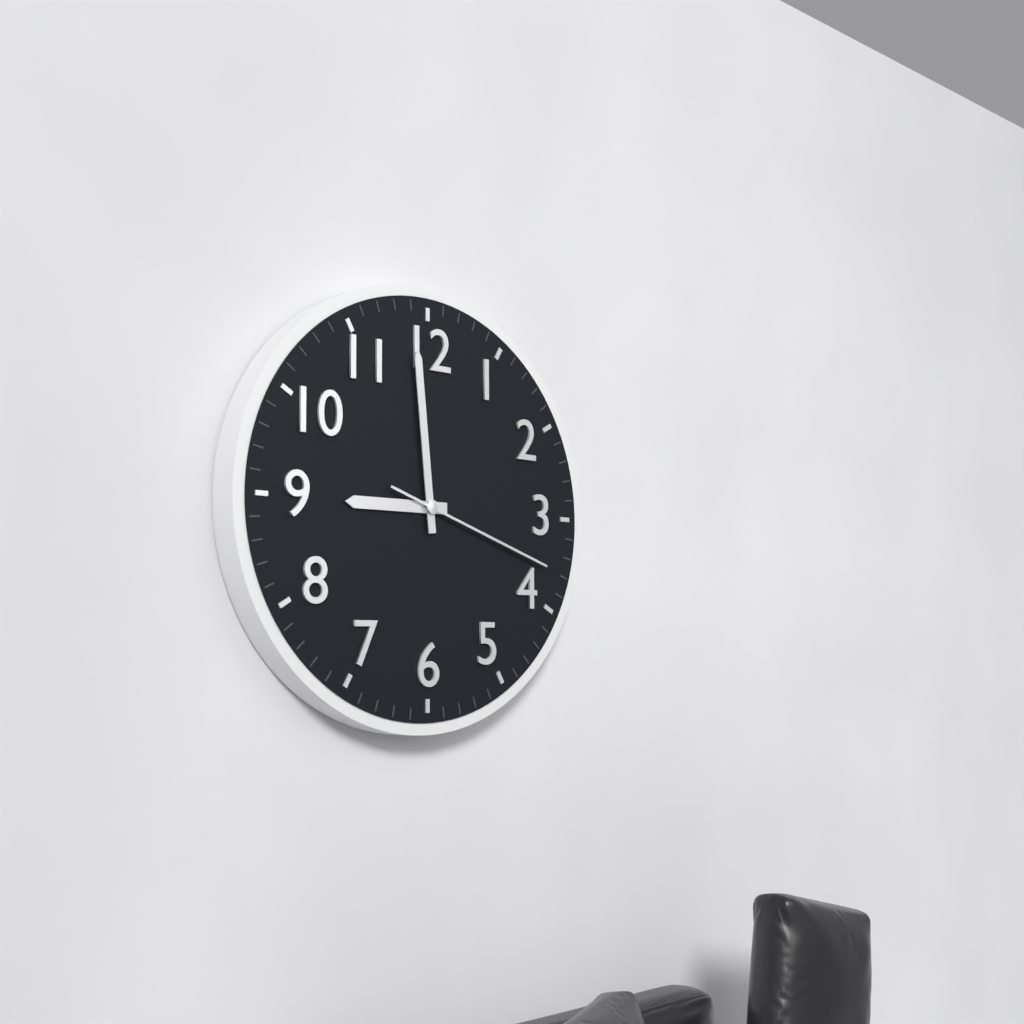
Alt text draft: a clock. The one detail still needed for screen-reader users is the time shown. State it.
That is 8:59:18
